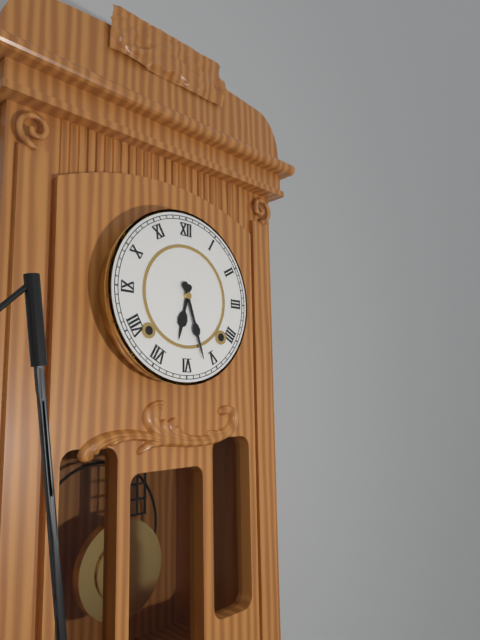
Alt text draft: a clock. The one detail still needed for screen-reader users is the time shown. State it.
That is 6:27
